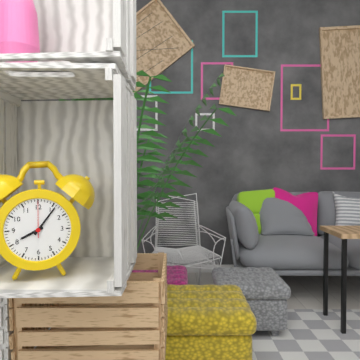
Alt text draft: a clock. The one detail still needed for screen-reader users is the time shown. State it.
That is 8:06
